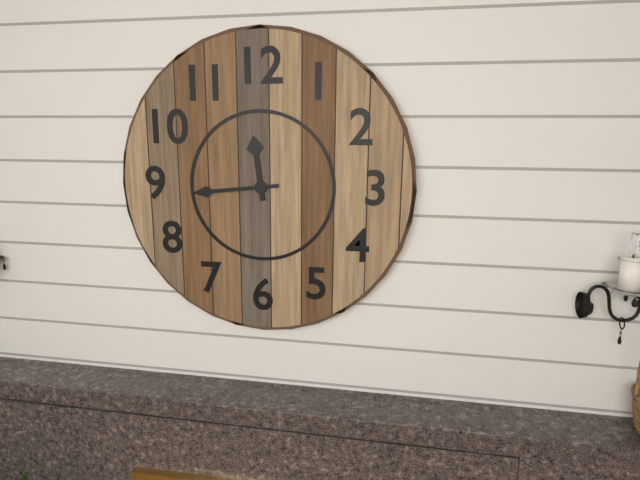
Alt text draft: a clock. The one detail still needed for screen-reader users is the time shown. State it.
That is 11:44
